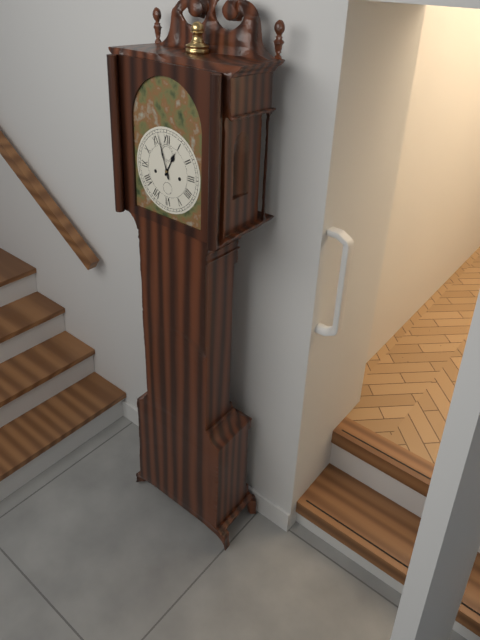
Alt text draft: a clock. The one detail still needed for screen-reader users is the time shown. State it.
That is 12:57
